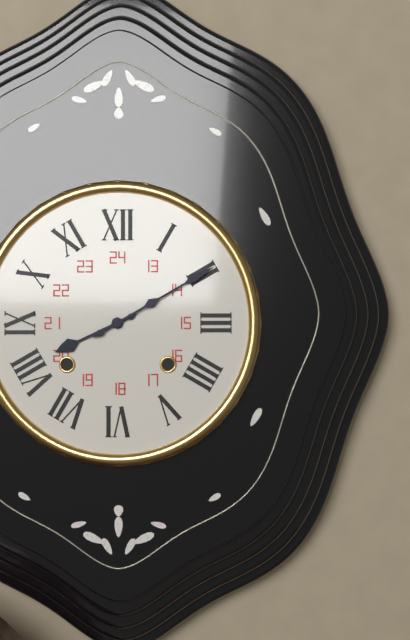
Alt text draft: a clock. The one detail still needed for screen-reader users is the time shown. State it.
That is 8:10
